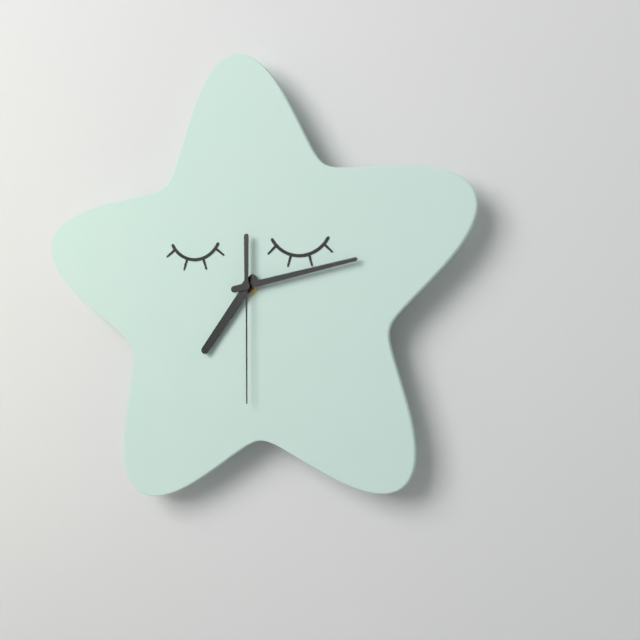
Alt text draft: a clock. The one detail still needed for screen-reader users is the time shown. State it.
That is 7:13:30
